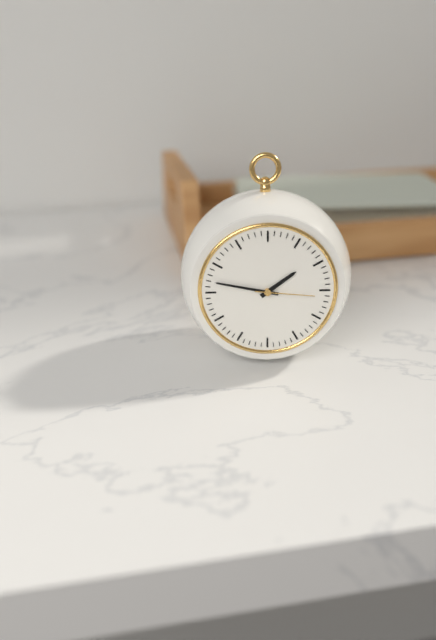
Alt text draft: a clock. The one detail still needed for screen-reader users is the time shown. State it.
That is 1:47:16
